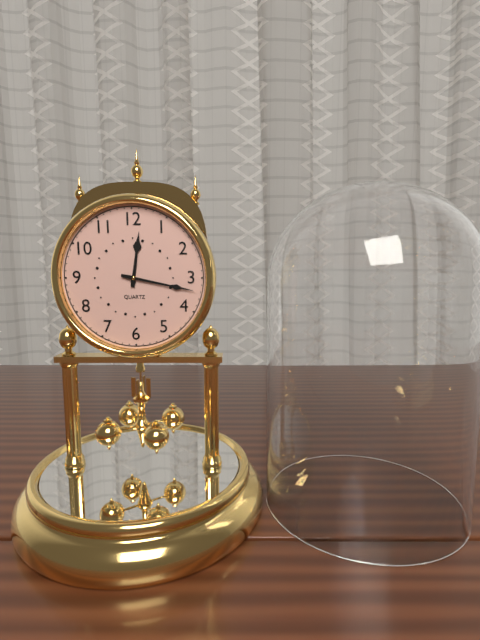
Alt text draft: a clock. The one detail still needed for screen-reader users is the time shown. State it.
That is 12:17
